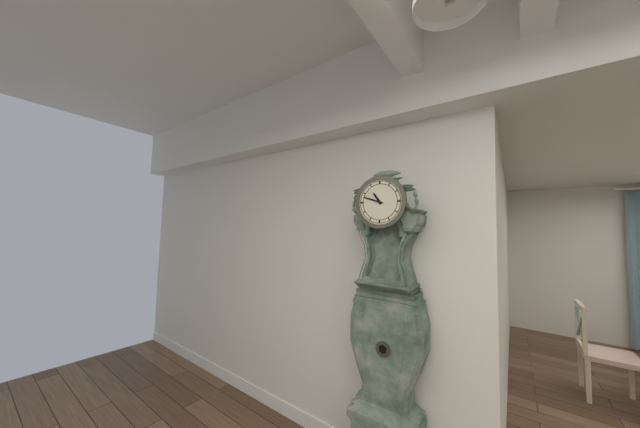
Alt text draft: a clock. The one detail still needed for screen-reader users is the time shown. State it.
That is 10:48
